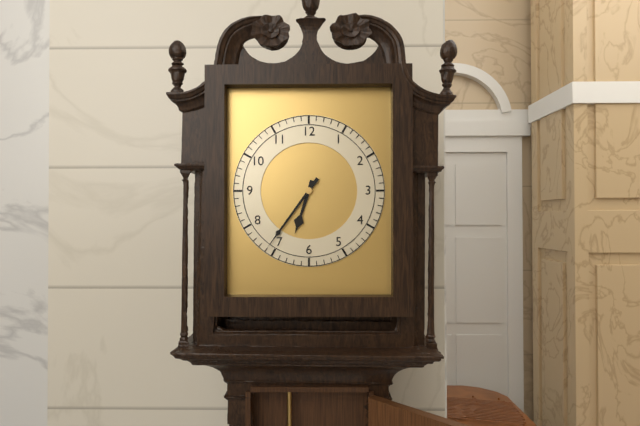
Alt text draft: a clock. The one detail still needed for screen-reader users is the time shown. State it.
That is 6:36
